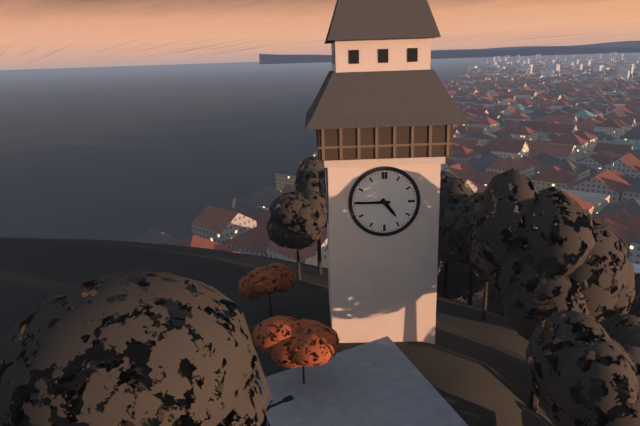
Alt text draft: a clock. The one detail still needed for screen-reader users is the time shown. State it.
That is 4:45
